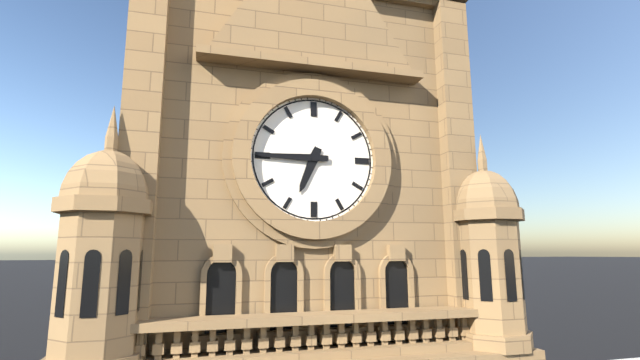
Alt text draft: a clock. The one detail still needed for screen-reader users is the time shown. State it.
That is 6:45
